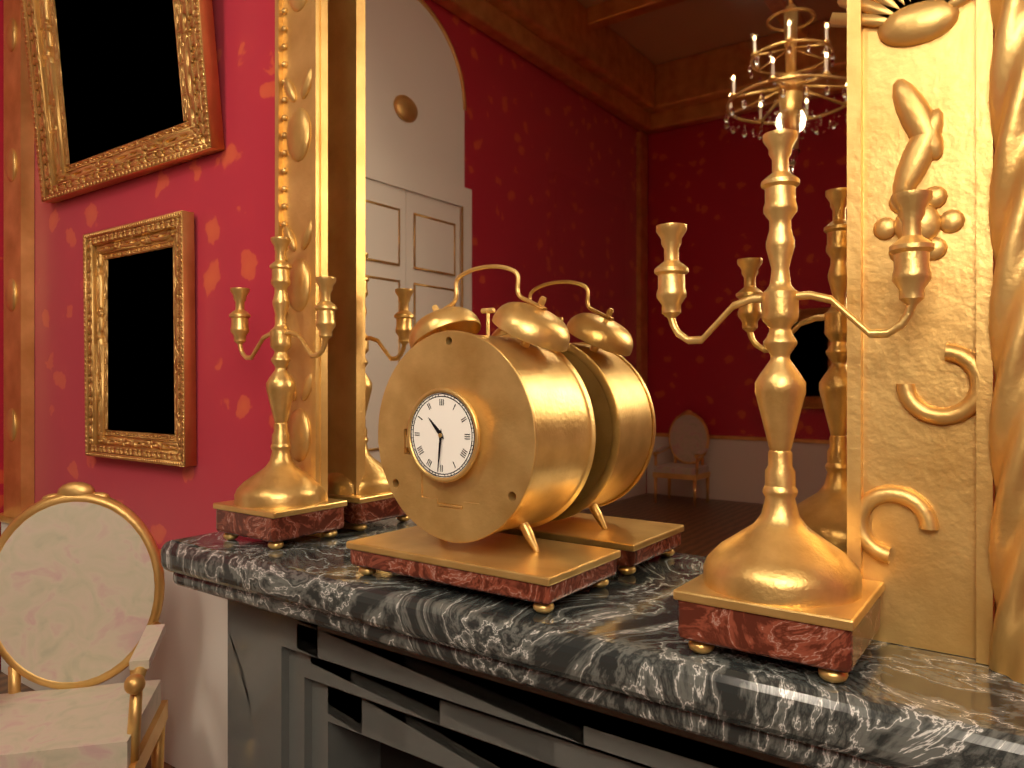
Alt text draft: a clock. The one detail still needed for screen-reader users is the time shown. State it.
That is 10:31
